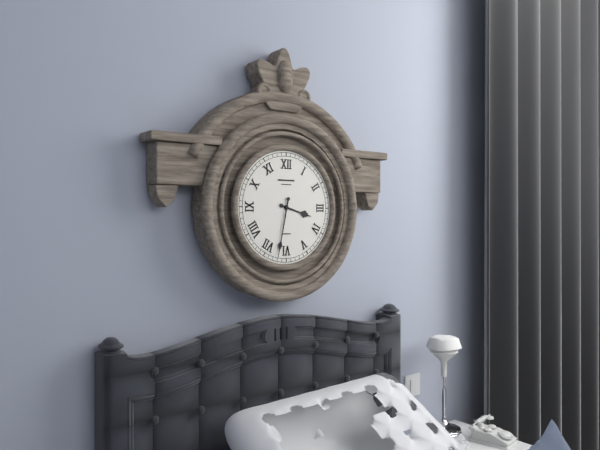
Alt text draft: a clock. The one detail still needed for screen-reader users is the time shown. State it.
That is 3:32
